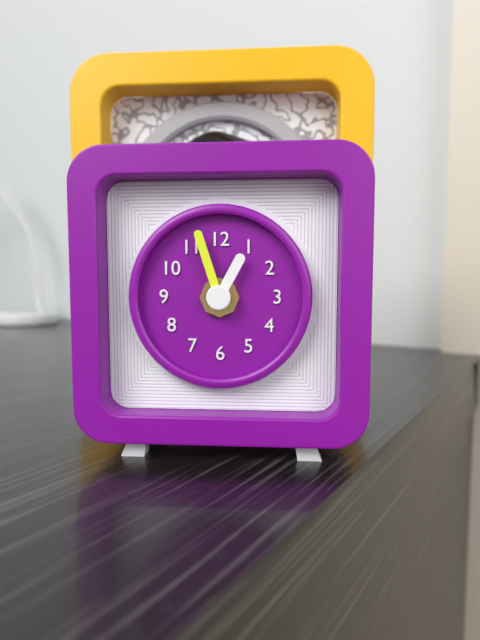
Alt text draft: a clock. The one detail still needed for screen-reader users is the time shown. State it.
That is 12:57
